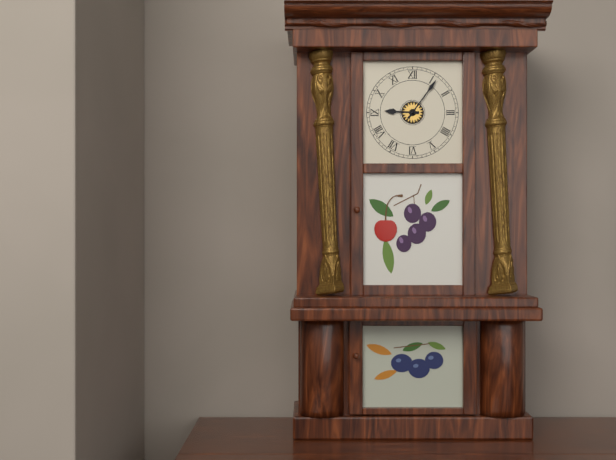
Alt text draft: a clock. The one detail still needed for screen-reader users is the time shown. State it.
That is 9:06
